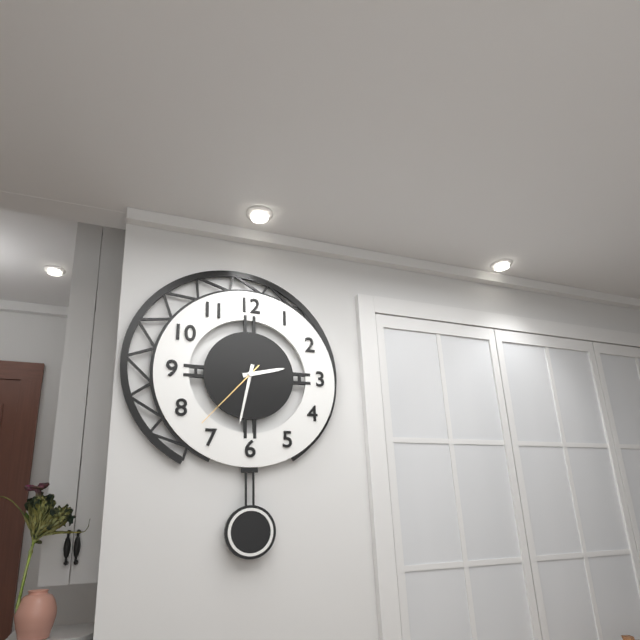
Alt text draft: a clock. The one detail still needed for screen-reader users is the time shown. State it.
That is 2:32:37
